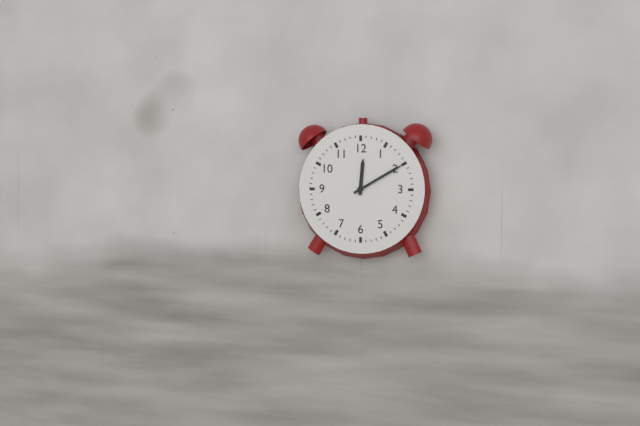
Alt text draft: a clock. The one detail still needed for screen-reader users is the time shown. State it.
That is 12:10
